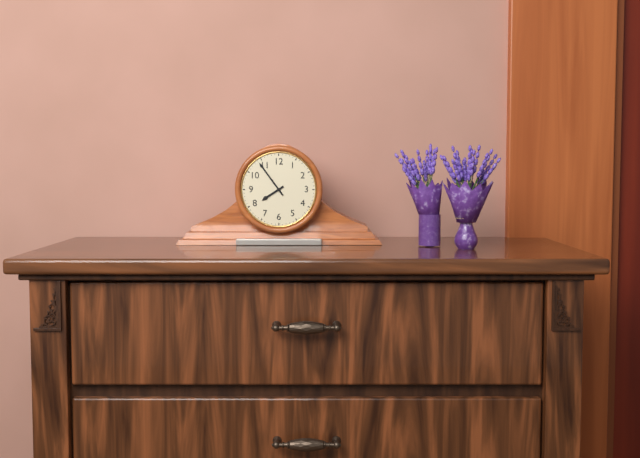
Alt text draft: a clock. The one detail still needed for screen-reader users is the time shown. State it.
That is 7:54
